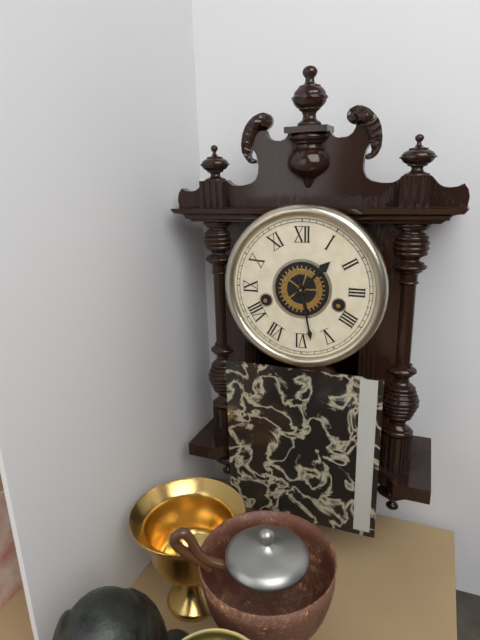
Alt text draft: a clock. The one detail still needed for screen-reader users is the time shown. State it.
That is 1:28
